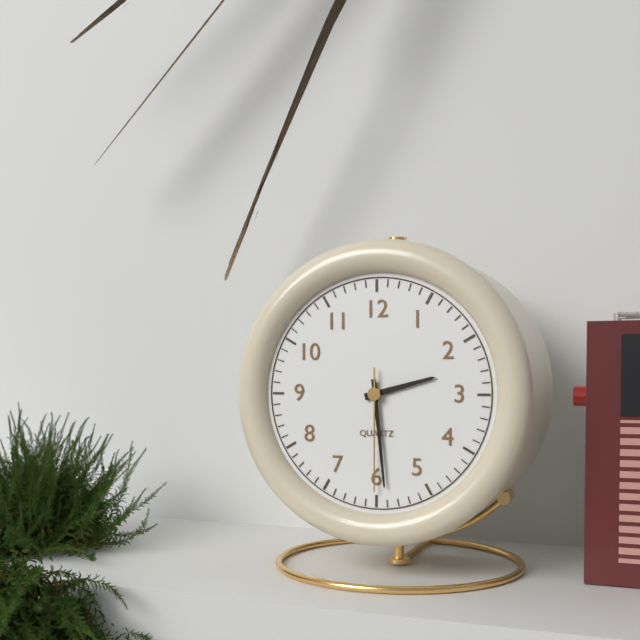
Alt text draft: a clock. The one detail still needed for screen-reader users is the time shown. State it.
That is 2:29:30
